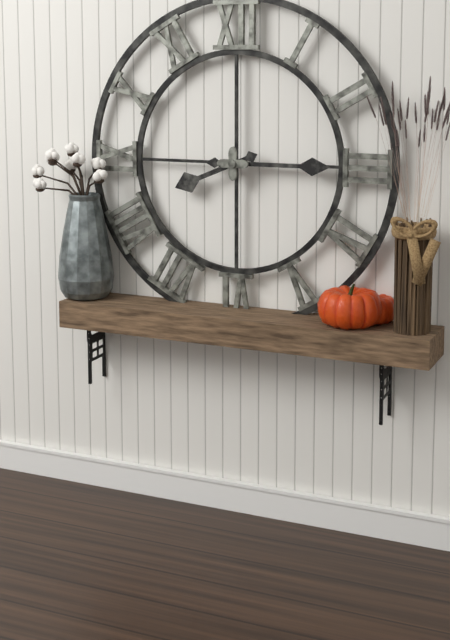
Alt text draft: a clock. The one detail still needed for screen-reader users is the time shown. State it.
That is 8:15
